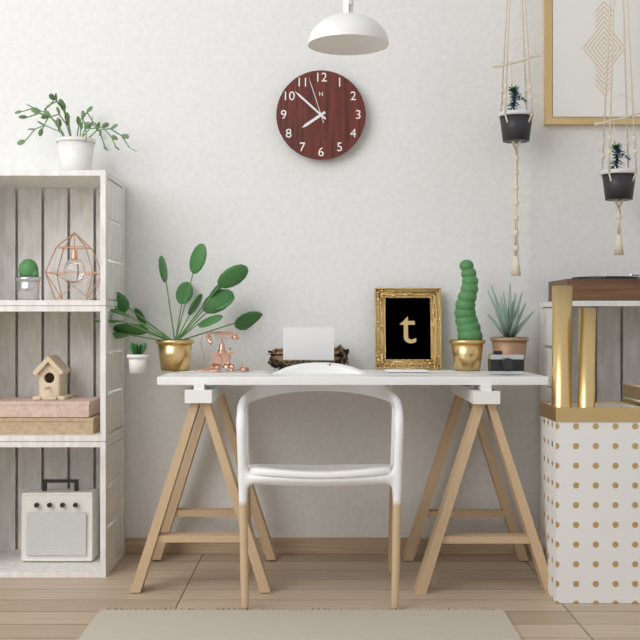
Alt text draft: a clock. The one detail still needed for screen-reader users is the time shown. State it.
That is 7:52
